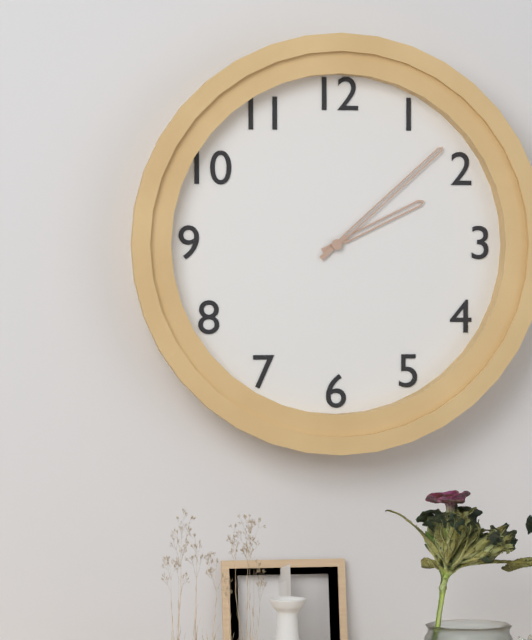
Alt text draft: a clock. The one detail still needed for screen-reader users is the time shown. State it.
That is 2:08
